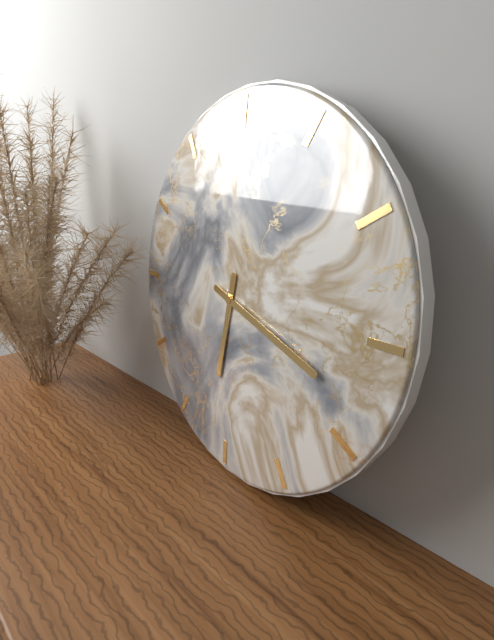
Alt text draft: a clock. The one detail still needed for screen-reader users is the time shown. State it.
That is 6:18
